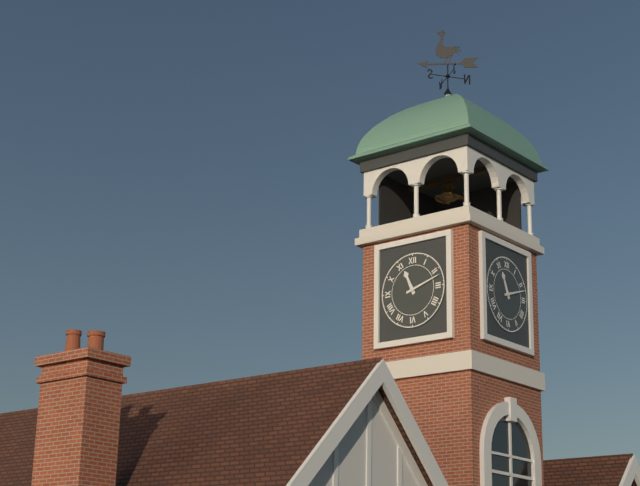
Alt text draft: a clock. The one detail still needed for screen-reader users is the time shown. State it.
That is 11:12
